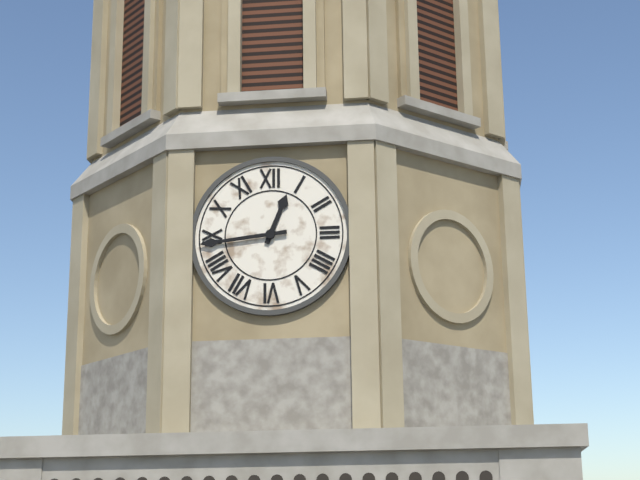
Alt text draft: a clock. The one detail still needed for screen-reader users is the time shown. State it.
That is 12:44
